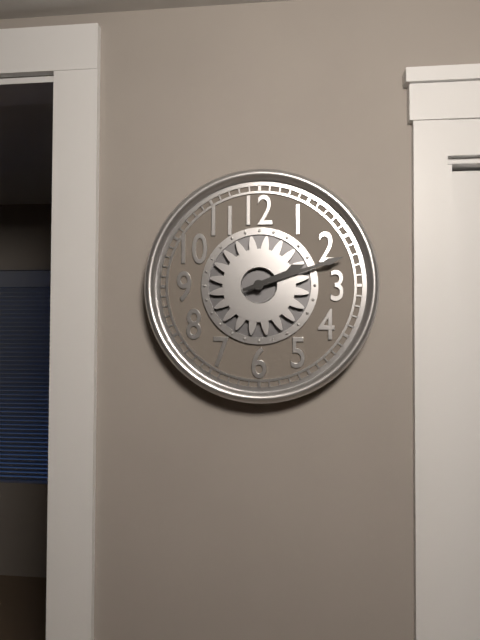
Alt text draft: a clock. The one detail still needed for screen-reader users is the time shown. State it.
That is 2:12
